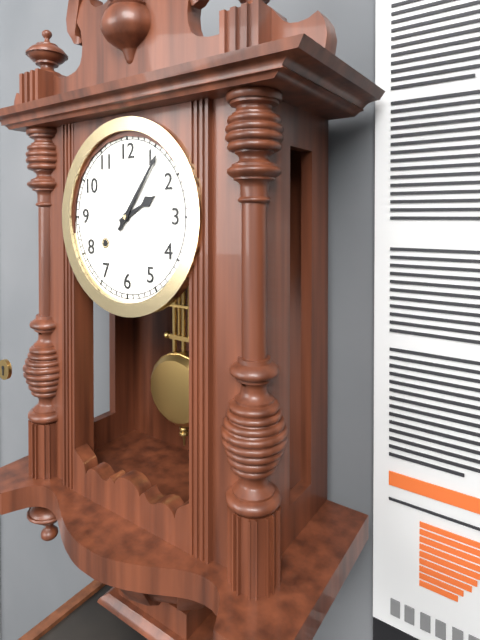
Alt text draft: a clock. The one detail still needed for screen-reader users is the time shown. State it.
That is 2:06
